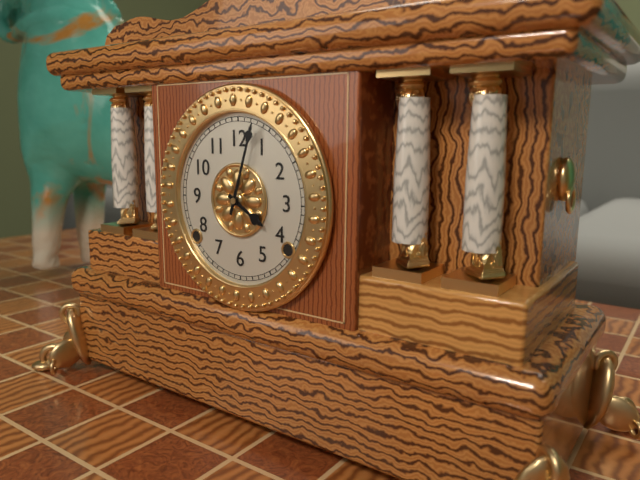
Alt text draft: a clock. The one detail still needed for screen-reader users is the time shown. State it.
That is 4:03
